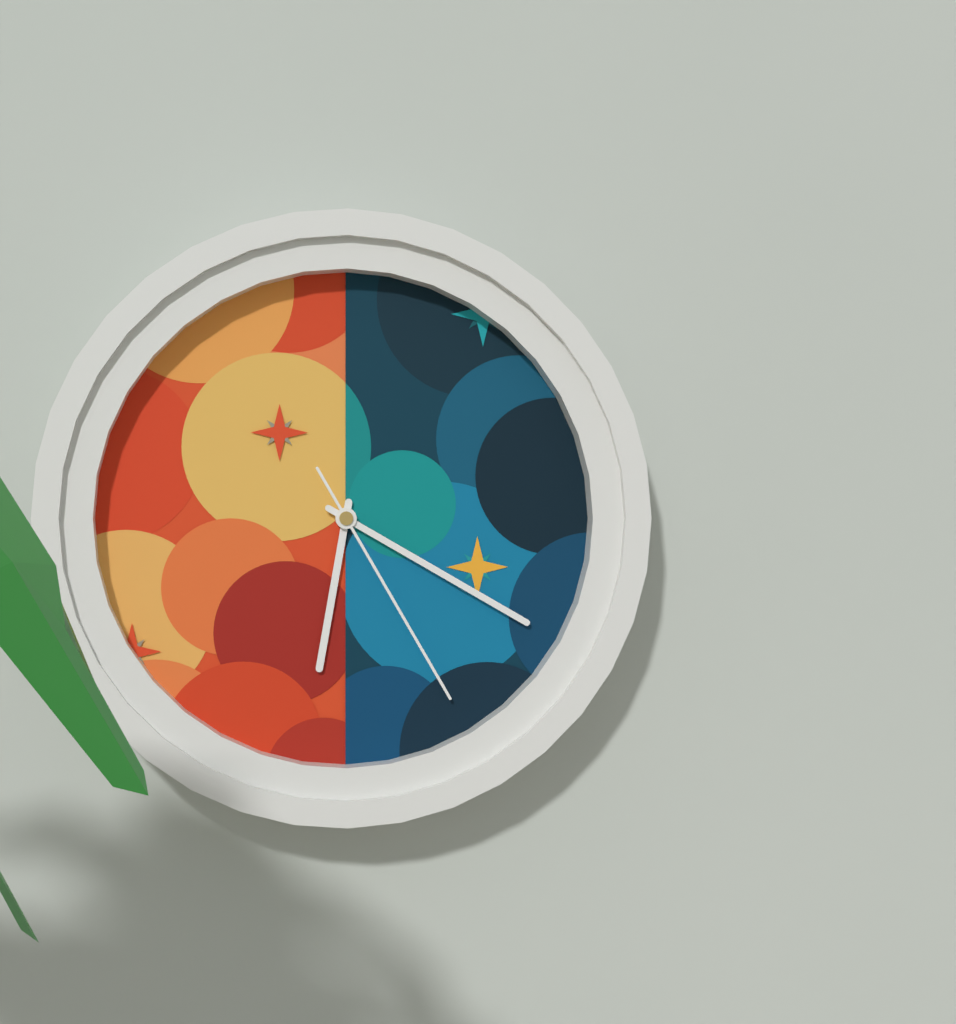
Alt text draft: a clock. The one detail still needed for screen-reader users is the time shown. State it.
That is 6:20:25
